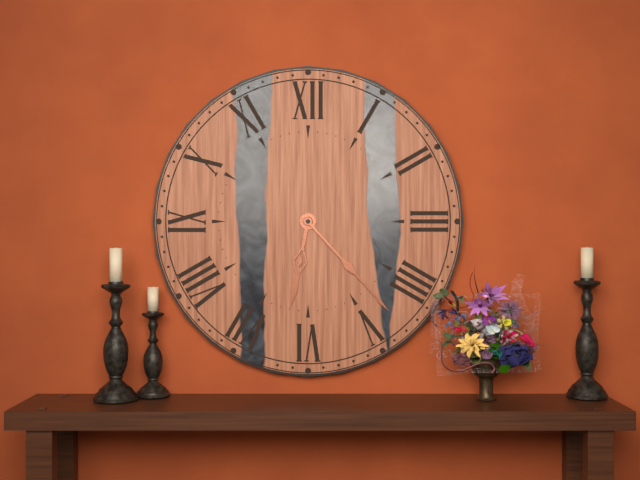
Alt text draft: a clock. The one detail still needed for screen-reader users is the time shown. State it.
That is 6:23
